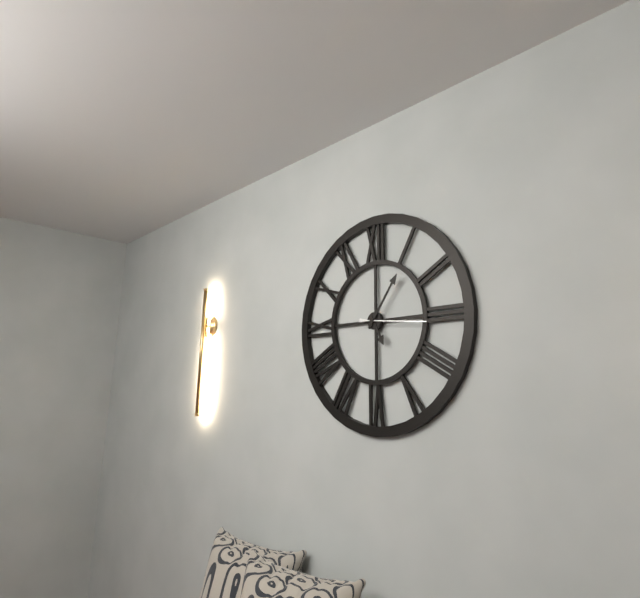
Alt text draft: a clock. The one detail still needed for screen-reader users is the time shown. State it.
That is 5:06:16
